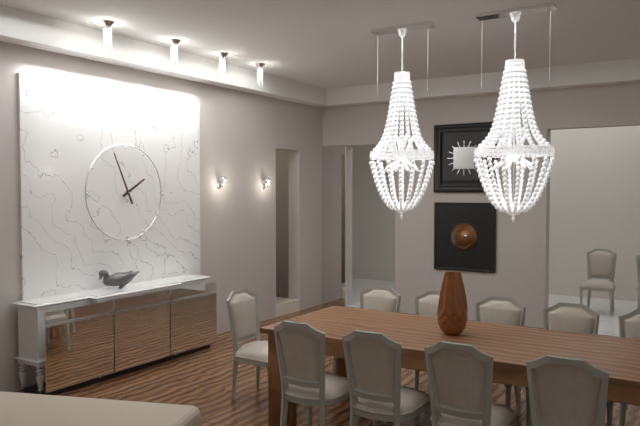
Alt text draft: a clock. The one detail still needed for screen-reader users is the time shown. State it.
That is 1:56
